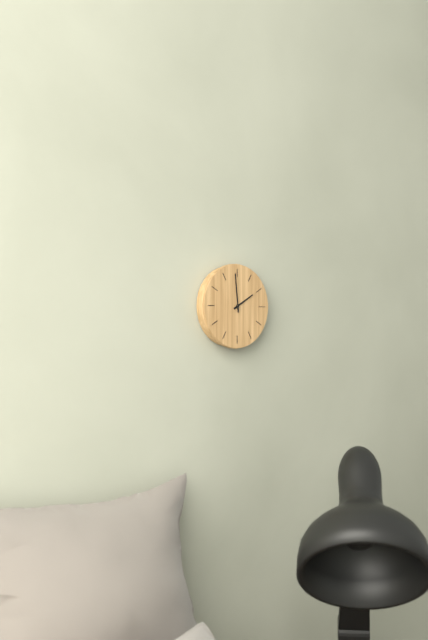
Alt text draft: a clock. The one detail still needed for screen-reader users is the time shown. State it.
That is 1:59
